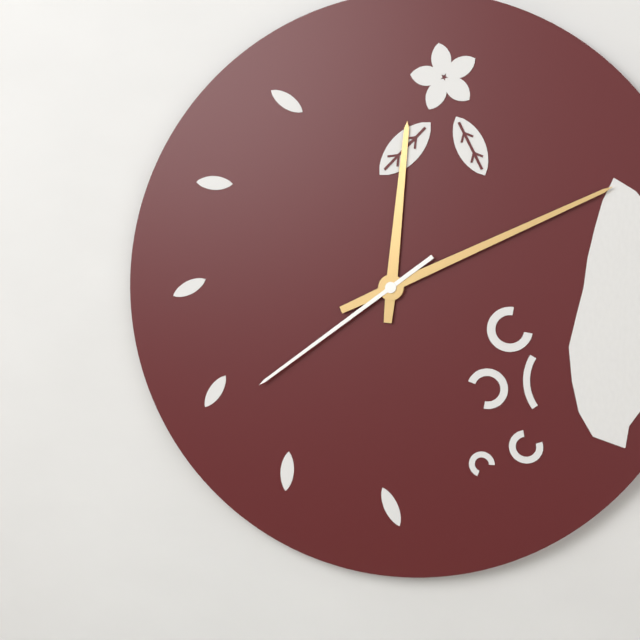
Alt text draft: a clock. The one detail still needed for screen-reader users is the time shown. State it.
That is 12:11:39
